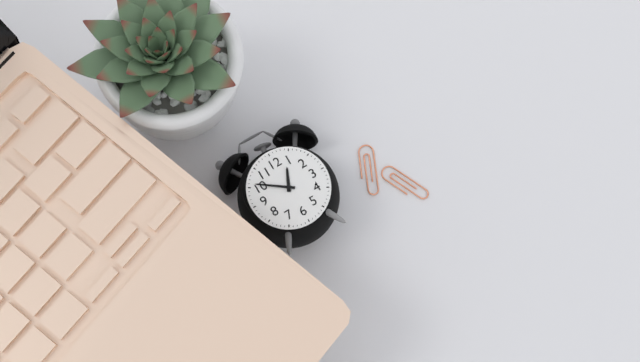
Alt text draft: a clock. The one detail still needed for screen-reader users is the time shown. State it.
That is 12:51
